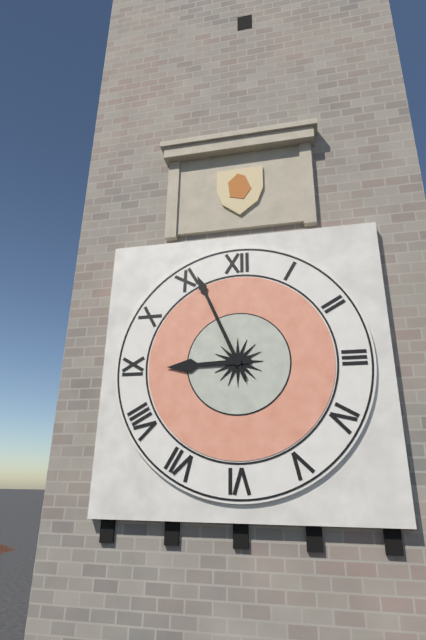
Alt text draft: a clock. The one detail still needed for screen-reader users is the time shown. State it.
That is 8:56
